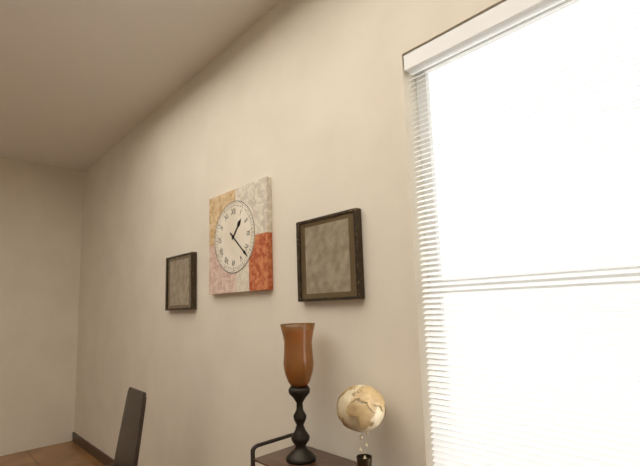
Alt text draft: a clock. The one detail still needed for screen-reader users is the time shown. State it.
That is 1:22
